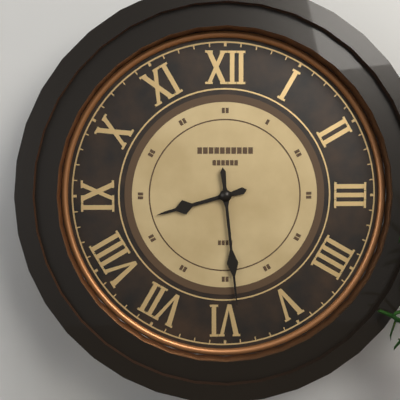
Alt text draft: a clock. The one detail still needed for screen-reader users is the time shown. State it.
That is 8:29
